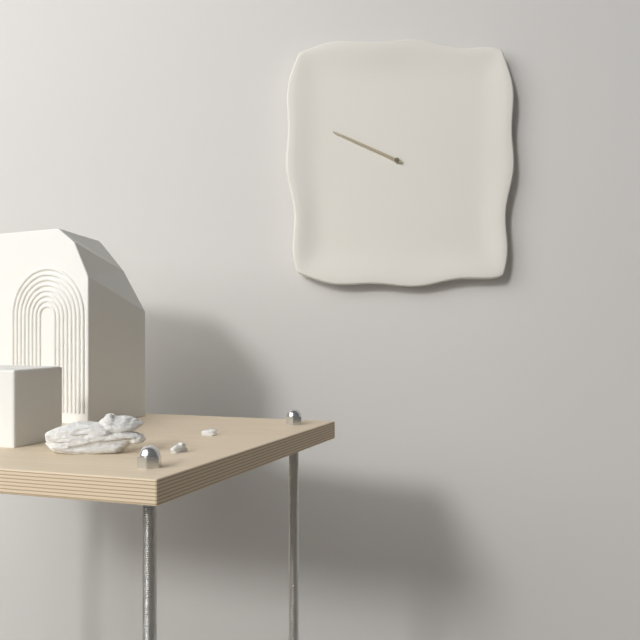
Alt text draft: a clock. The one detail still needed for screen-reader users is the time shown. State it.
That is 9:49
